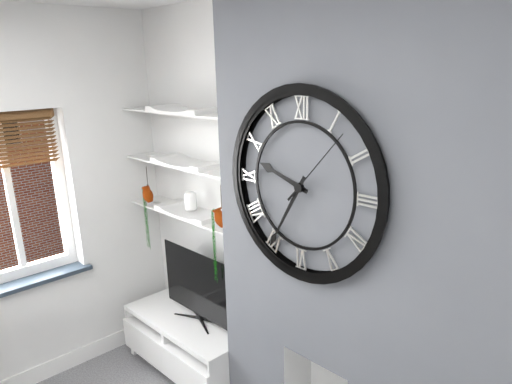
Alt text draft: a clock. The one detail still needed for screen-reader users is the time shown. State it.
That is 9:35:07
